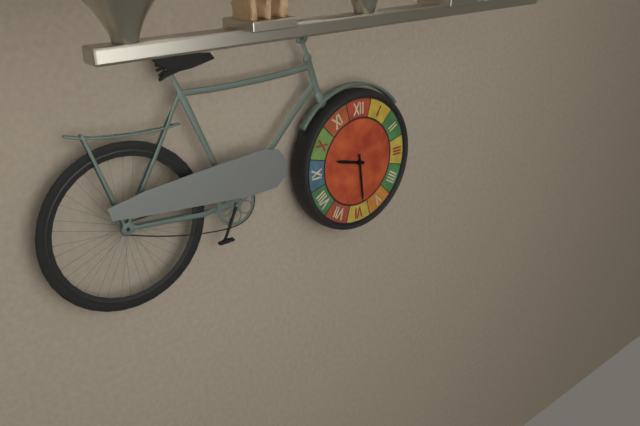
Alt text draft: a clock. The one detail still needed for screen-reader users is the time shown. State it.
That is 9:29
